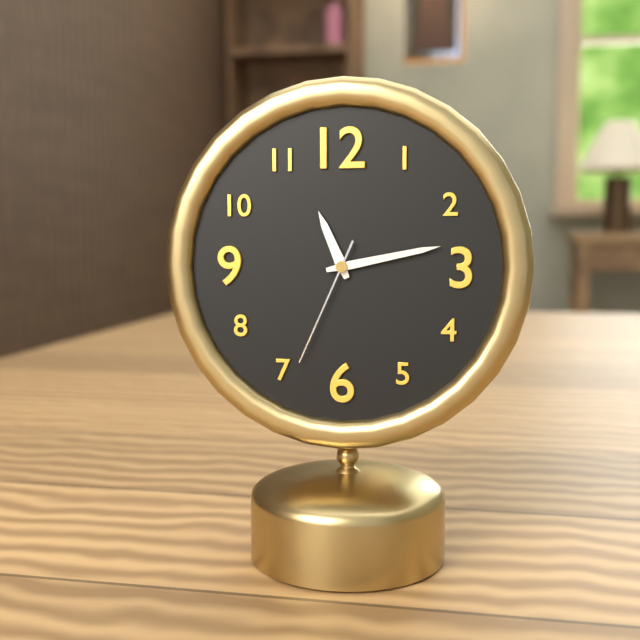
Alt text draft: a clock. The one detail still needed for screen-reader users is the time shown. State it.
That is 11:13:34
